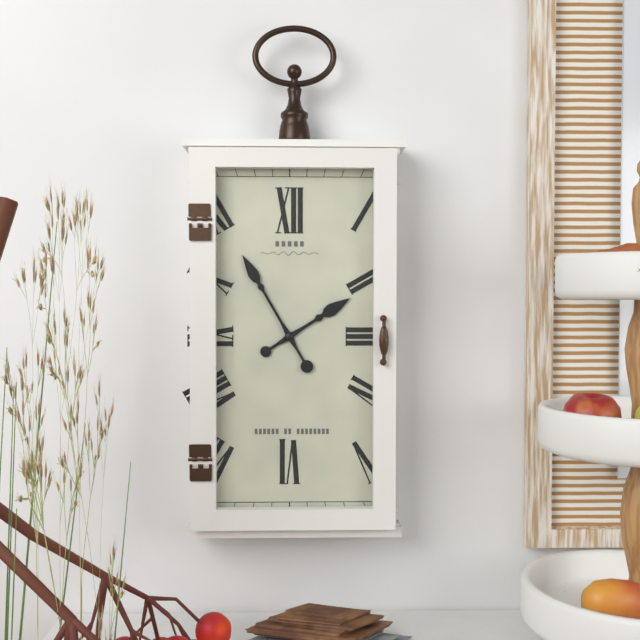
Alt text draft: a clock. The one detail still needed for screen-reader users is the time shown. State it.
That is 1:55
